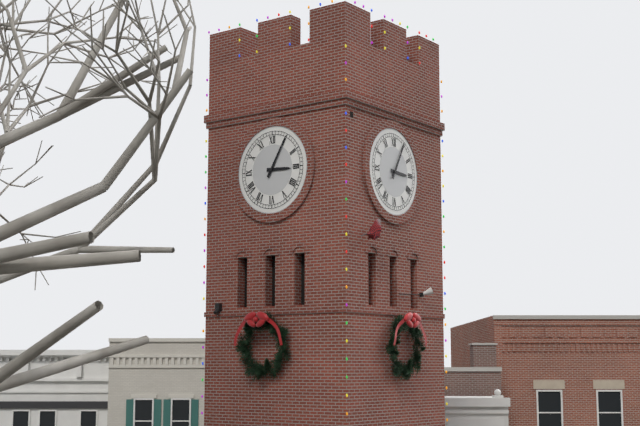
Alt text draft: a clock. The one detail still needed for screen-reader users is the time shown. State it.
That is 3:05
